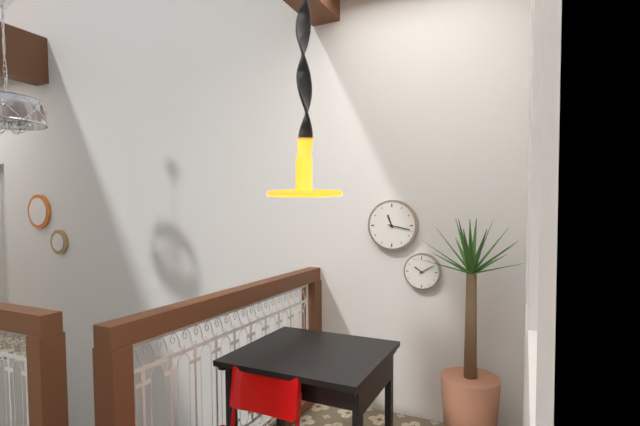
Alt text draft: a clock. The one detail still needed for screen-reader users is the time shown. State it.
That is 11:17
